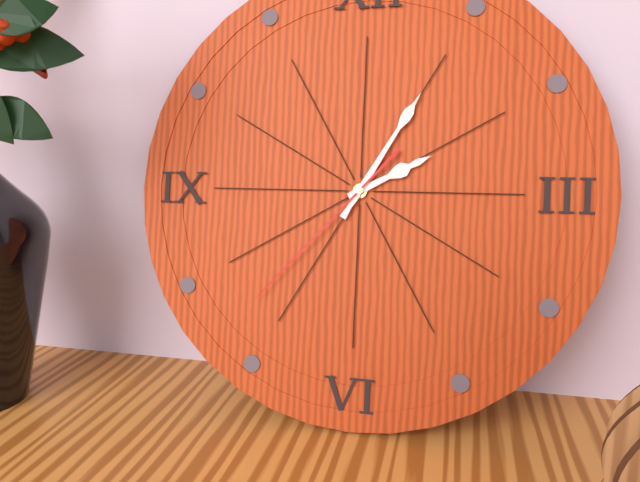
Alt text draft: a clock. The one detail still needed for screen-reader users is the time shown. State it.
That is 2:05:37
